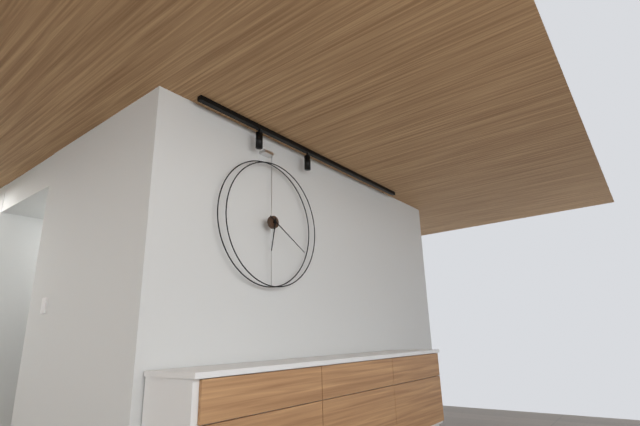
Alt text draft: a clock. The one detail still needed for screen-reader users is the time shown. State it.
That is 6:20
